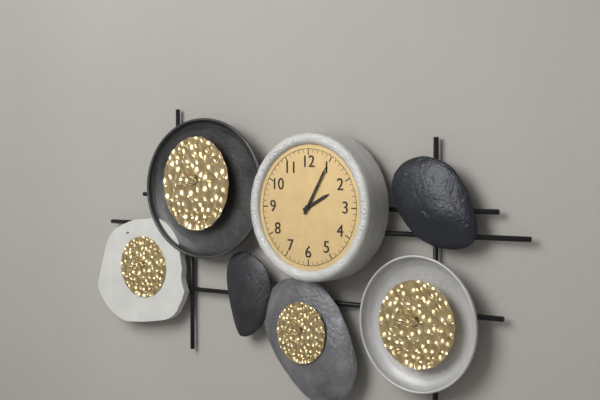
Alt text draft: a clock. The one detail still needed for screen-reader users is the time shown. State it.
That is 2:05
